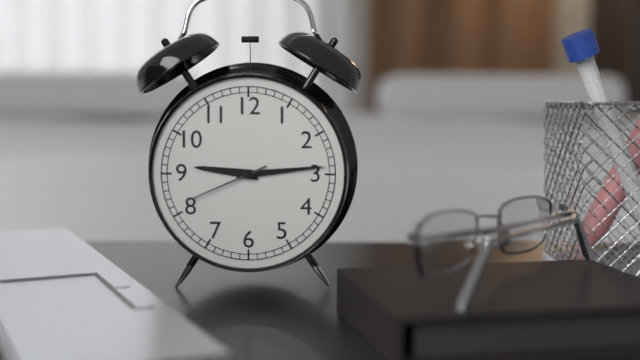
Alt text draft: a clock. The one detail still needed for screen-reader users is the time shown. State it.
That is 9:14:41
